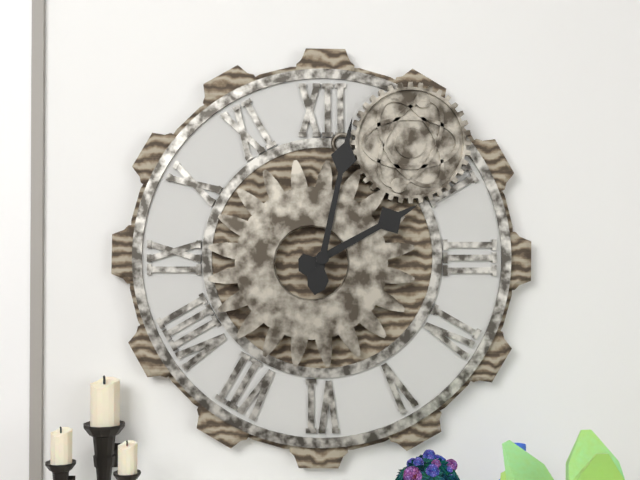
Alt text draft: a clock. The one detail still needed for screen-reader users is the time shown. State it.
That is 2:02
